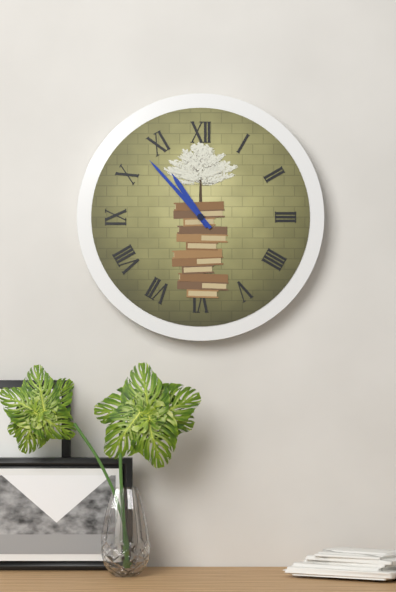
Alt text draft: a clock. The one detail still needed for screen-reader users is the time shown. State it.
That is 10:53
